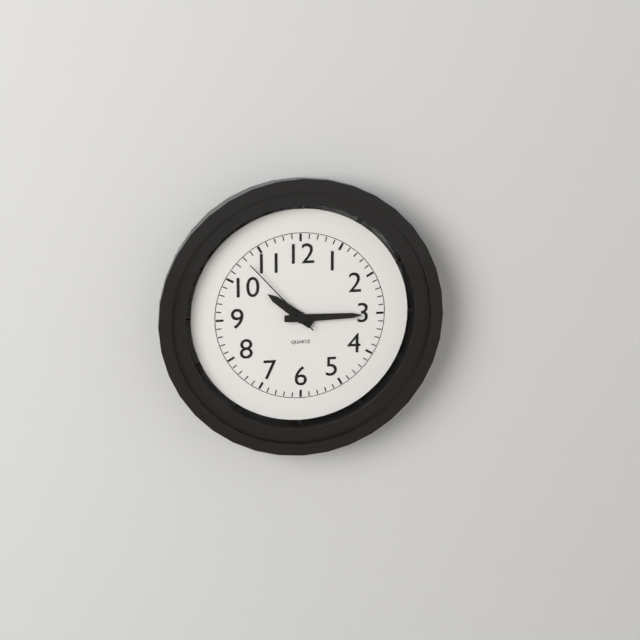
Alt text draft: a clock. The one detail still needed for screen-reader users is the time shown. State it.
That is 10:15:53
